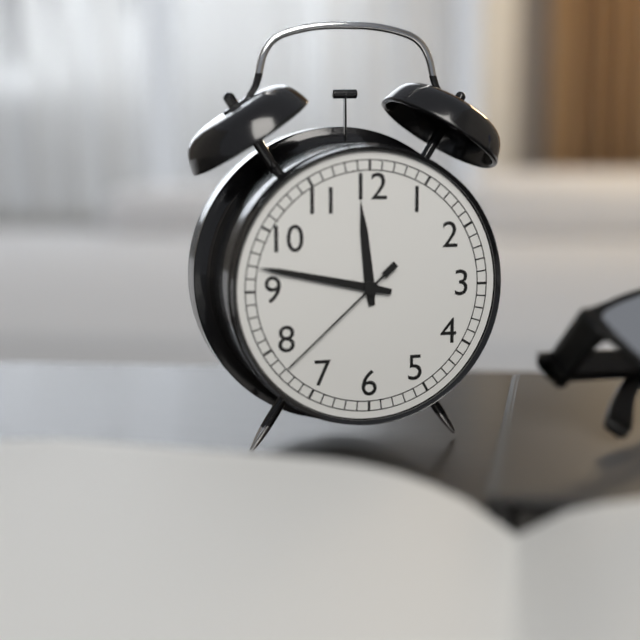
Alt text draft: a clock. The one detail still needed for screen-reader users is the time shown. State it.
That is 11:47:38
